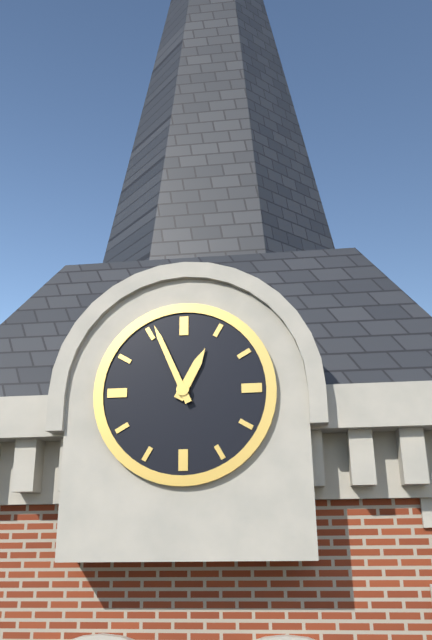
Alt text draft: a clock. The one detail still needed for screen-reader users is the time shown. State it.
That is 12:56
